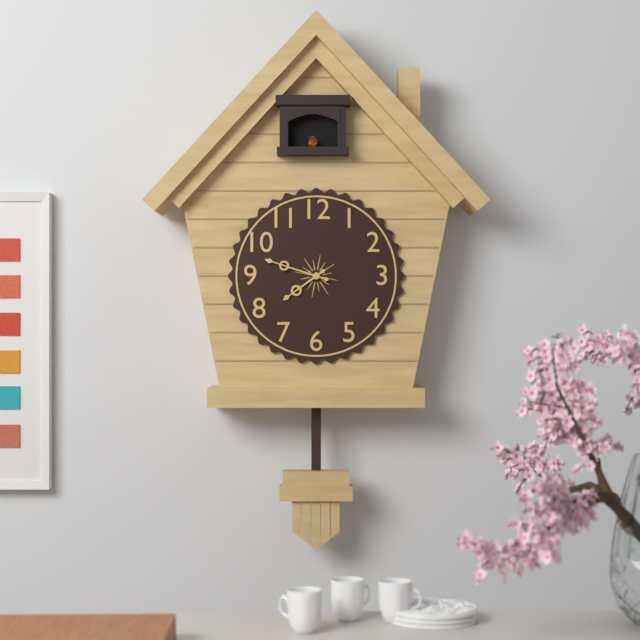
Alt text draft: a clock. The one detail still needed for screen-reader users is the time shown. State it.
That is 7:48
